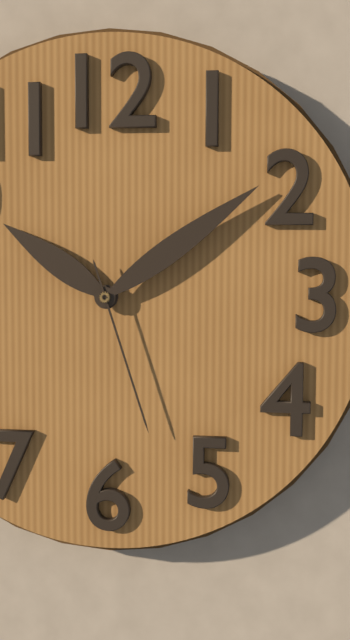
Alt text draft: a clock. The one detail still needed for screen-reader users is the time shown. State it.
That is 10:09:27
